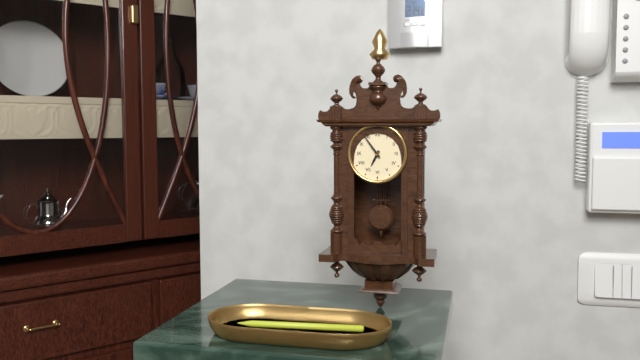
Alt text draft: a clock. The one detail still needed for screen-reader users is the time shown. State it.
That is 6:54
